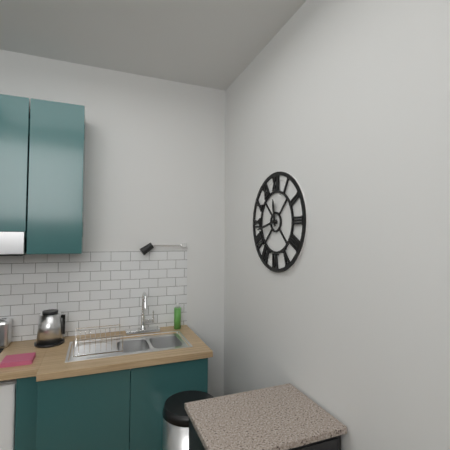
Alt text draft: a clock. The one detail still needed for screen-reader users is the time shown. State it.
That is 11:43
